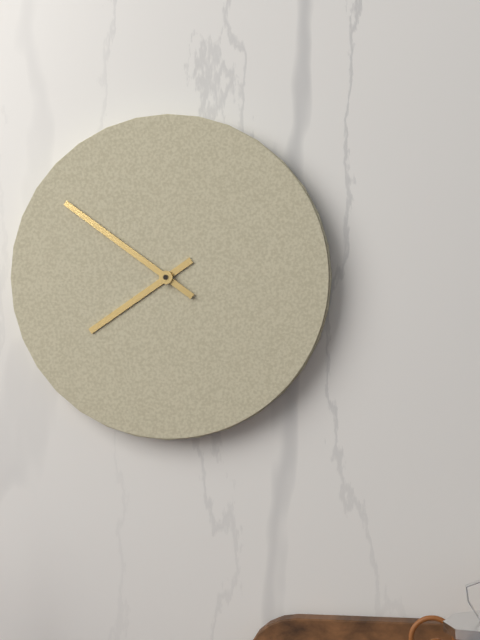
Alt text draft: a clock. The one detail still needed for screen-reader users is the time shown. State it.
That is 7:51
